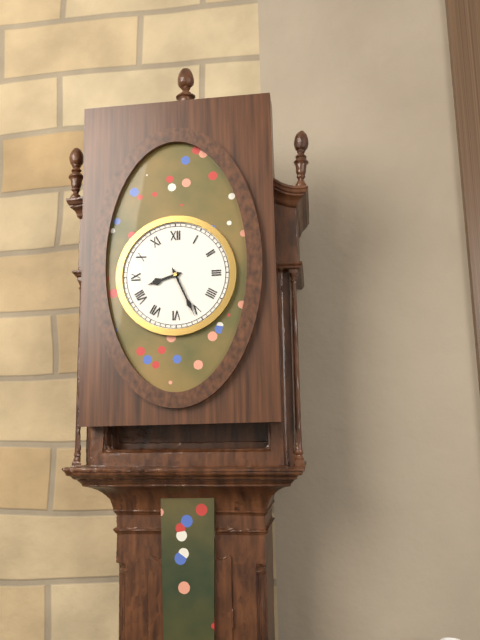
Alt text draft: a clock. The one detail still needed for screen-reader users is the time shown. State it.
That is 8:26
